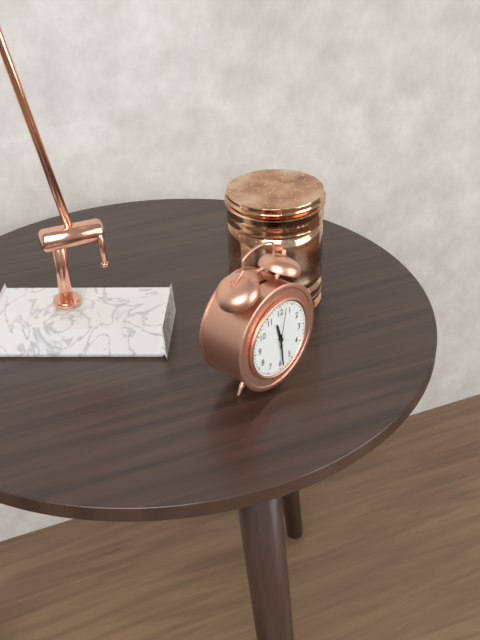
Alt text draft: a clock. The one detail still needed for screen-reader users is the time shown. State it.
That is 11:29
